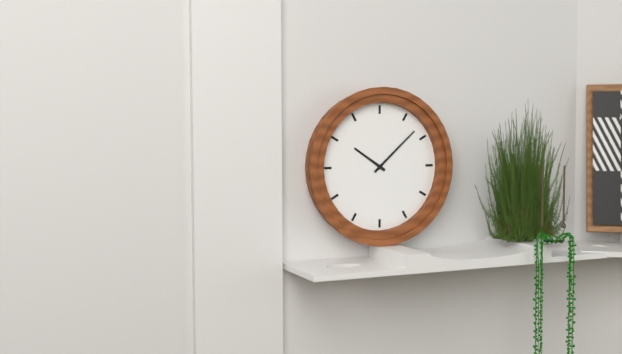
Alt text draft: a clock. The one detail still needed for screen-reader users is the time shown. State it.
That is 10:08
